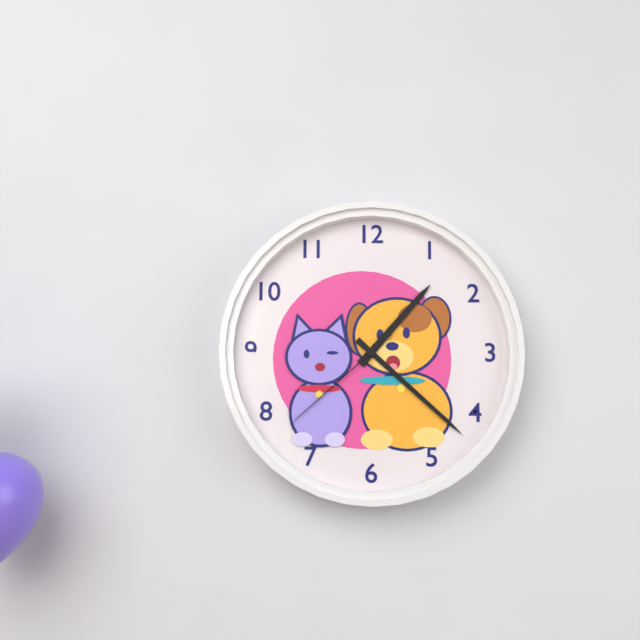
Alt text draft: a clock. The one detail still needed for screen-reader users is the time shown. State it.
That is 1:22:38
